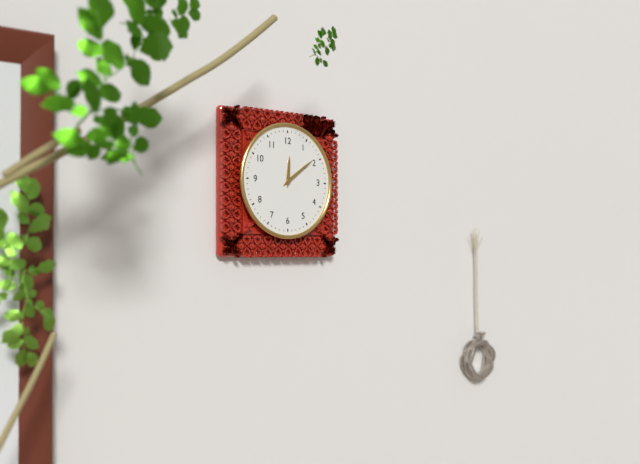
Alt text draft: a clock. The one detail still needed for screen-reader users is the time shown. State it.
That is 12:09
